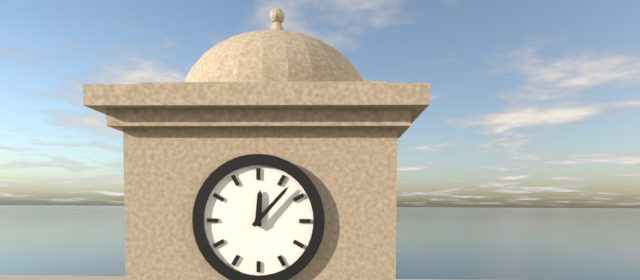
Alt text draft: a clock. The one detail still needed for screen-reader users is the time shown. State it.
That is 12:07
